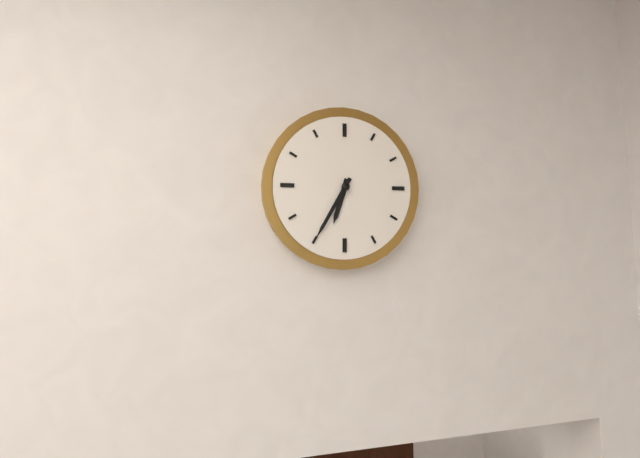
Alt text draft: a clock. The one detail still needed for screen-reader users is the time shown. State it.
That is 6:35
